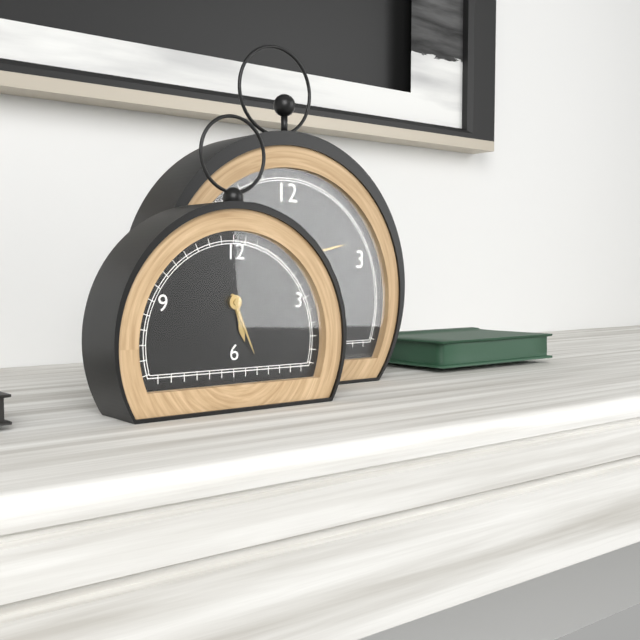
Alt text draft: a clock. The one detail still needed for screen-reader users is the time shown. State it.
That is 5:26
